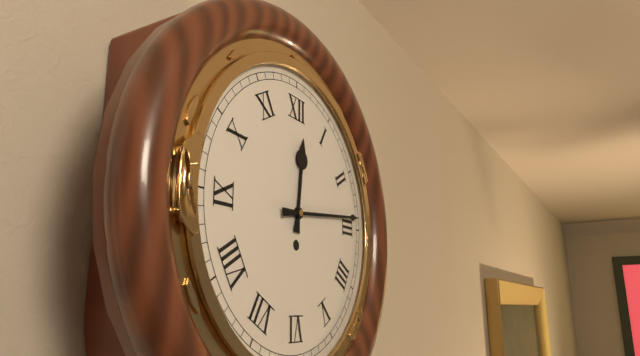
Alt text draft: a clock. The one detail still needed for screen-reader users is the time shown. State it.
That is 12:14
